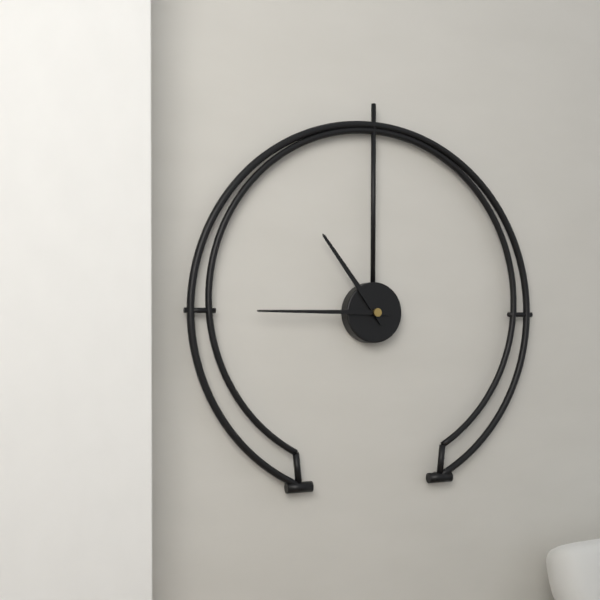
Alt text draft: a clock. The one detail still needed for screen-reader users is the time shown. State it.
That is 10:45
